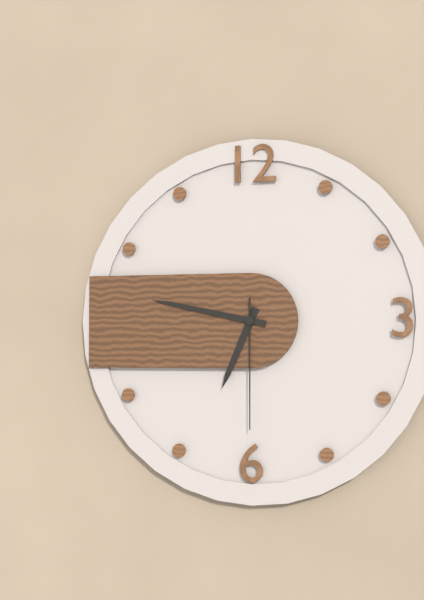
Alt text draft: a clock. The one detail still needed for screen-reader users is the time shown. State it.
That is 6:47:30
